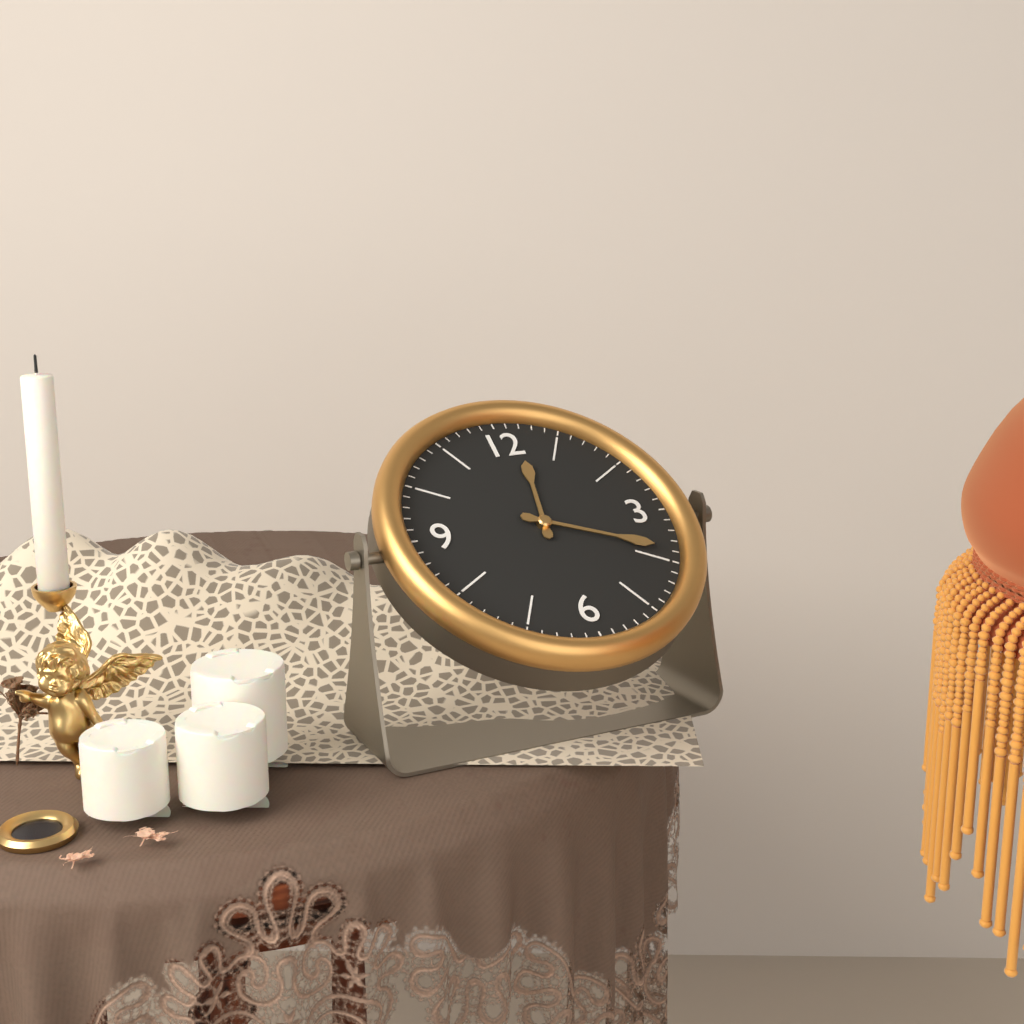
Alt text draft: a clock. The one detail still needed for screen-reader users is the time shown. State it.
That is 12:19
